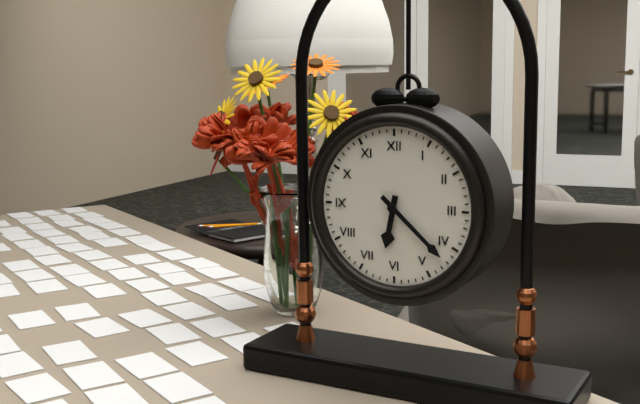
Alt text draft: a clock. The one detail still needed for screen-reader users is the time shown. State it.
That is 6:22
